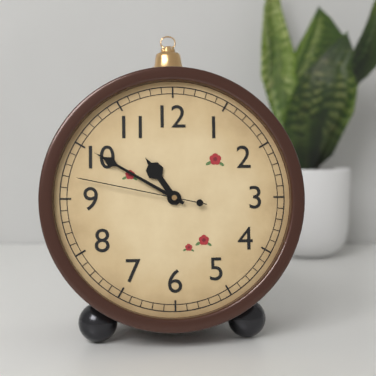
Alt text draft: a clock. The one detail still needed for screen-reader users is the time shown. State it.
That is 10:50:47
